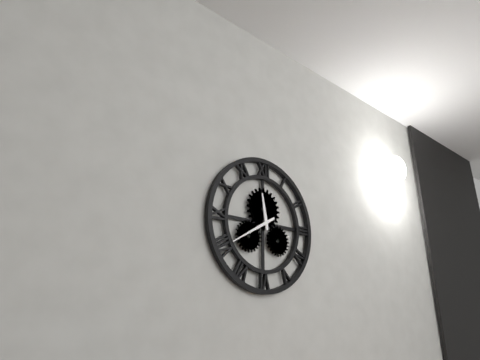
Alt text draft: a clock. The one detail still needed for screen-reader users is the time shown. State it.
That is 11:40
